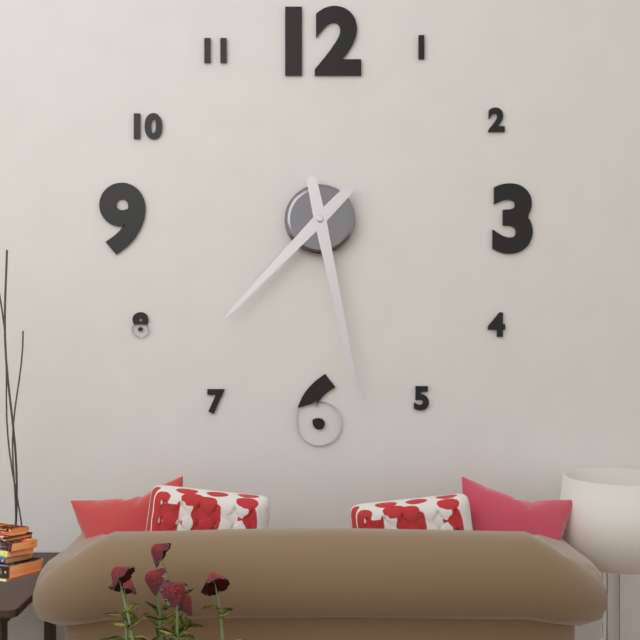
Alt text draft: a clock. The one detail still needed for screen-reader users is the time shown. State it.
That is 7:28
